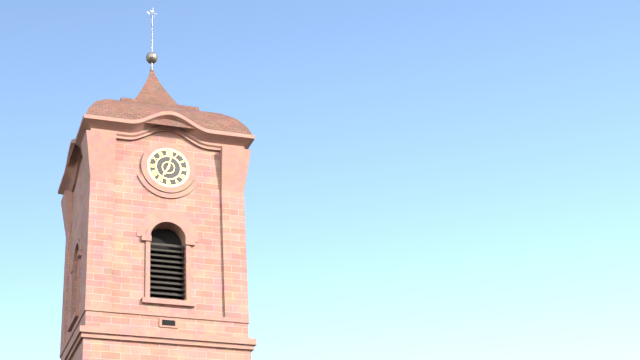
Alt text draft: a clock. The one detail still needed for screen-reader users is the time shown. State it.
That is 7:02
